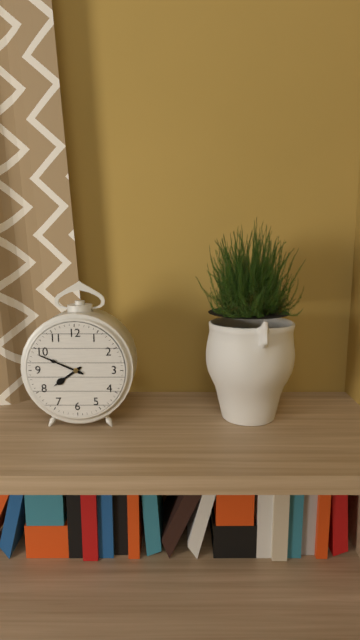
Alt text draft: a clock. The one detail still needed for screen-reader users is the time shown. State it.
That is 7:49
